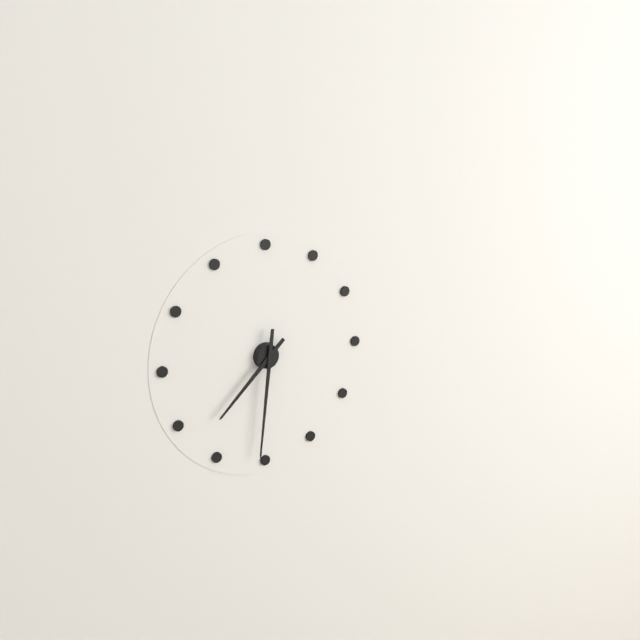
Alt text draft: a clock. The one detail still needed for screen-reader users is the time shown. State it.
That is 7:31
